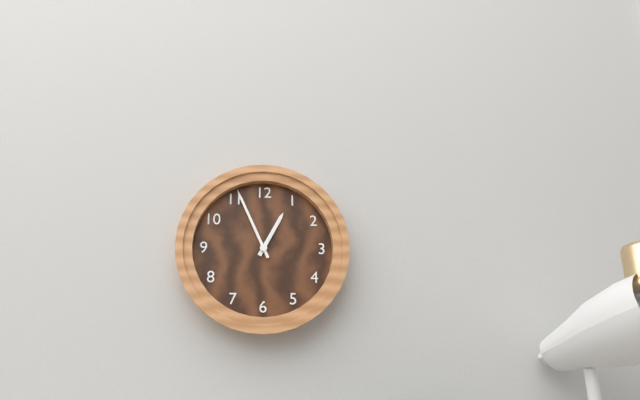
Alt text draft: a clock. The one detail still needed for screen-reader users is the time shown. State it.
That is 12:56
